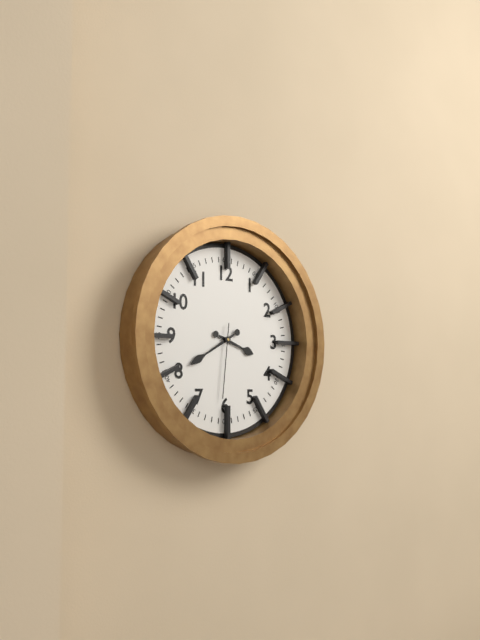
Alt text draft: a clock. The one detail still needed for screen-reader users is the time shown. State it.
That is 3:40:31
